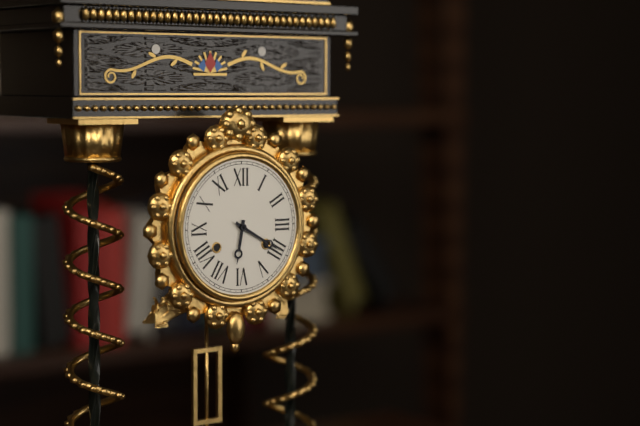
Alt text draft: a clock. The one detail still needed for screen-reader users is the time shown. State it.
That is 6:20
